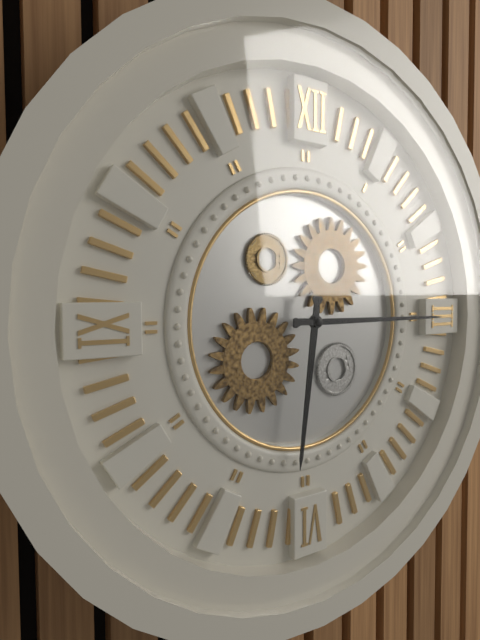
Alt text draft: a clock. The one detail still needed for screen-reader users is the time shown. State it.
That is 6:15
